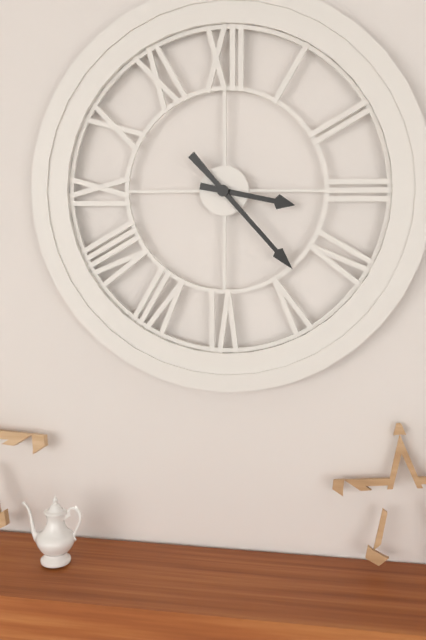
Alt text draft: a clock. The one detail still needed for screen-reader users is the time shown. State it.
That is 3:23
